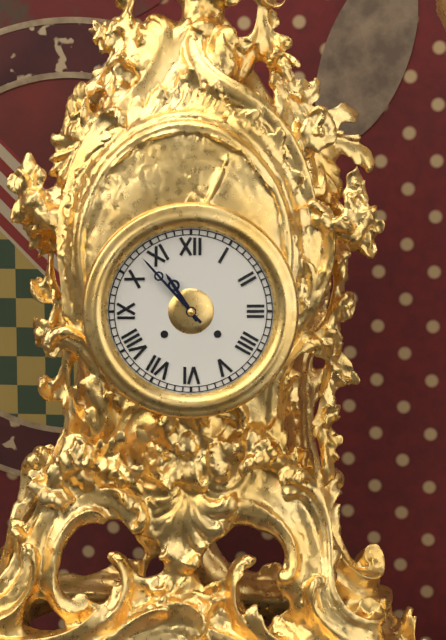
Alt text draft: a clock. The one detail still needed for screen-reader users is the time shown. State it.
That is 10:53
